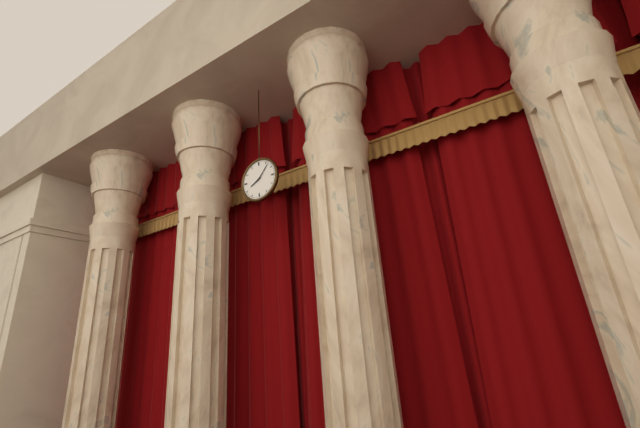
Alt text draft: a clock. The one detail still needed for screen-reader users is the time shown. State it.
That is 8:07
